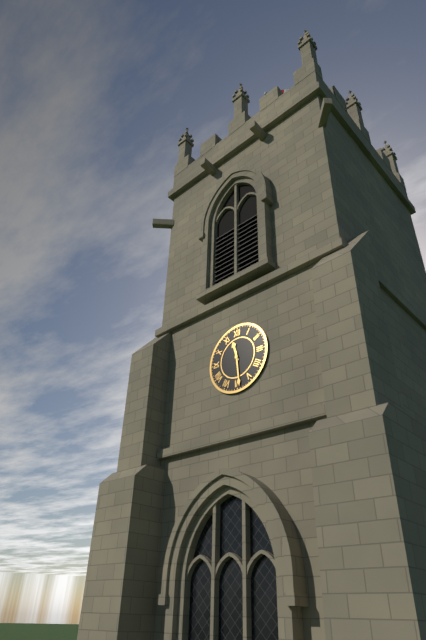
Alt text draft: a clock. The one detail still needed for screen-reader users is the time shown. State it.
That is 11:29
